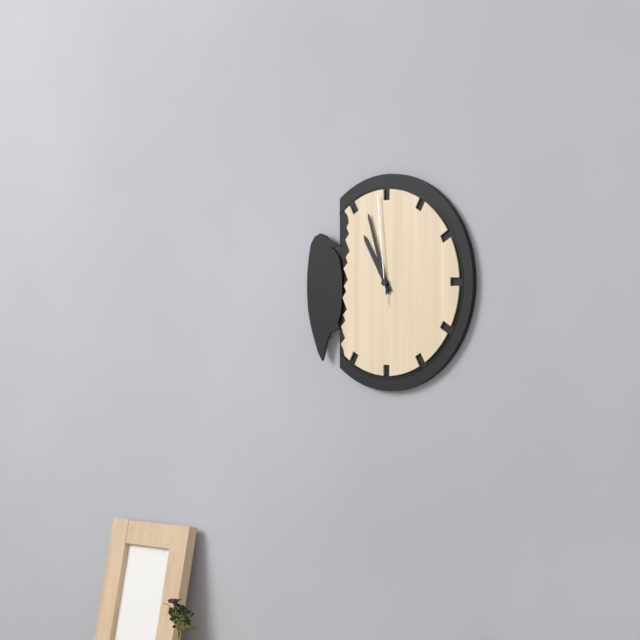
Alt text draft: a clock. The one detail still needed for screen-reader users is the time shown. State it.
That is 10:57:59
